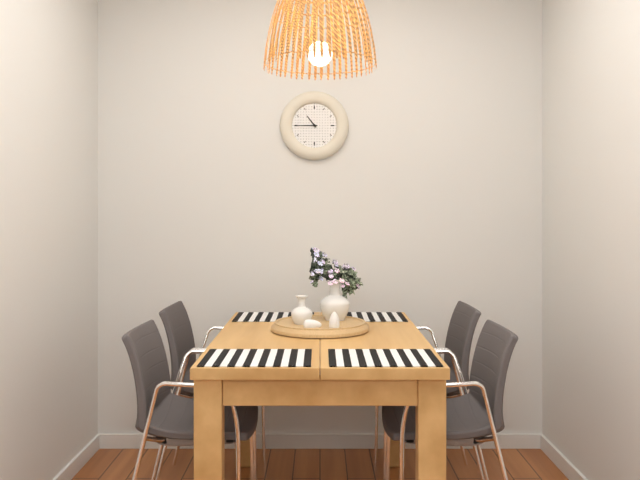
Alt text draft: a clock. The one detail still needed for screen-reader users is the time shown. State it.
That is 10:45
